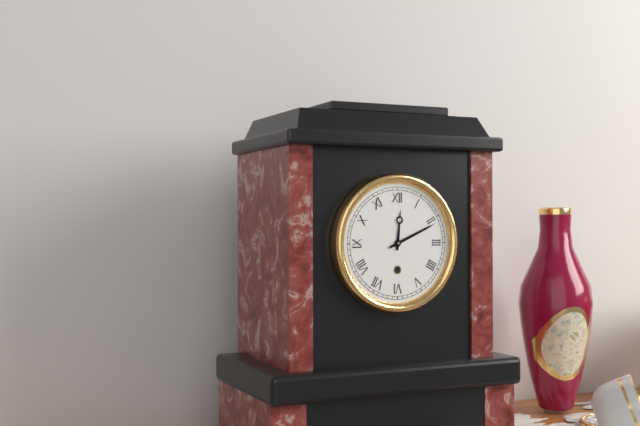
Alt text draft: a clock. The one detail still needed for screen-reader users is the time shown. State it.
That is 12:11
